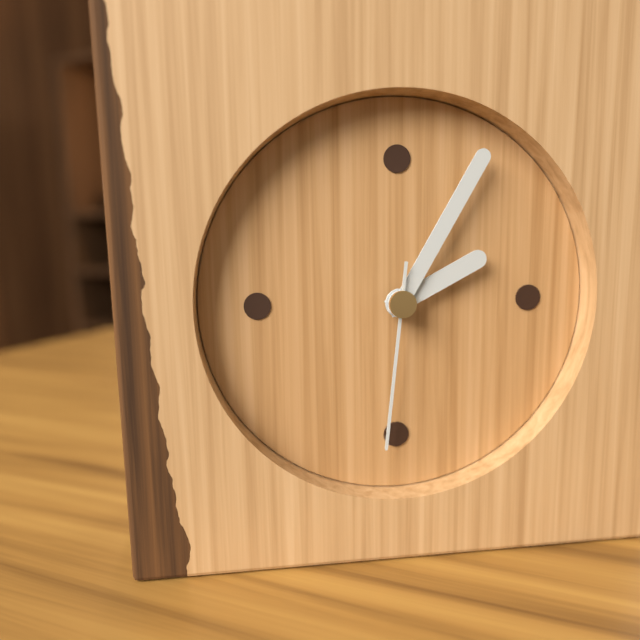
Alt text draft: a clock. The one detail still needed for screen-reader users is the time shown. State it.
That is 2:05:31
